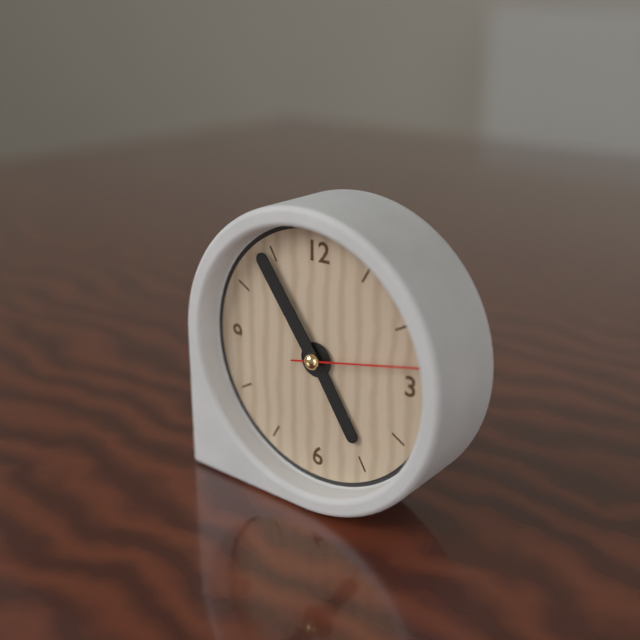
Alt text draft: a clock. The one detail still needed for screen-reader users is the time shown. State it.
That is 4:54:13
